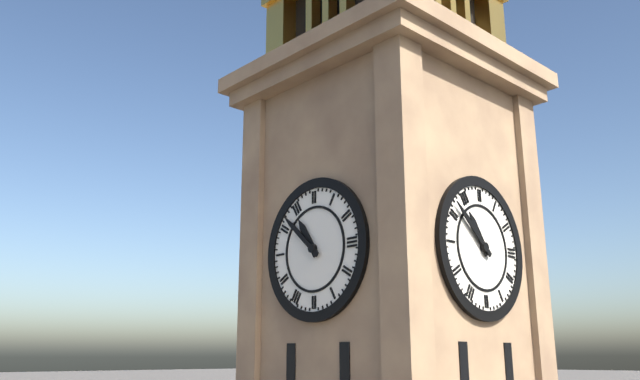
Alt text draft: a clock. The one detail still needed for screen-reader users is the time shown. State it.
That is 10:52
